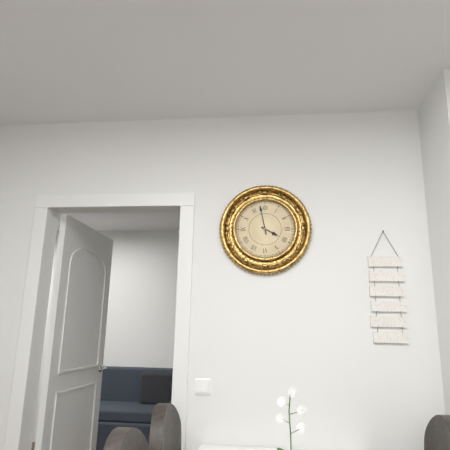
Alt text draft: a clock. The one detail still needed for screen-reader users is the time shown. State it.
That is 3:58
